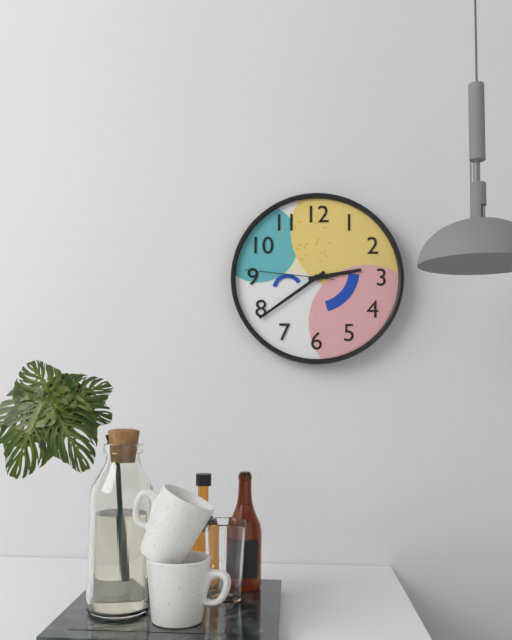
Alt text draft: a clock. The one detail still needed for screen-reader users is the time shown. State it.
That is 2:39:46
